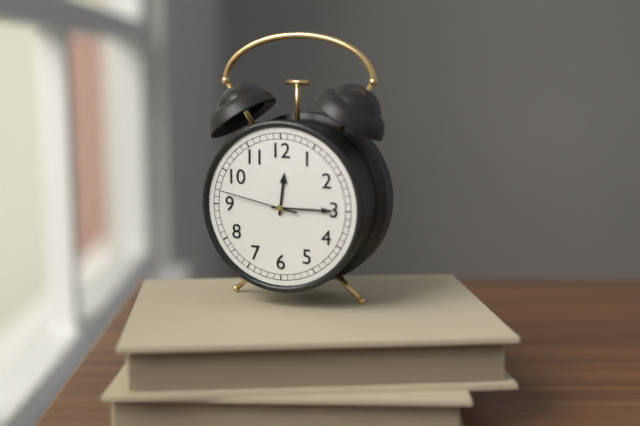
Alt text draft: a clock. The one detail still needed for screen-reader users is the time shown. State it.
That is 12:15:47
